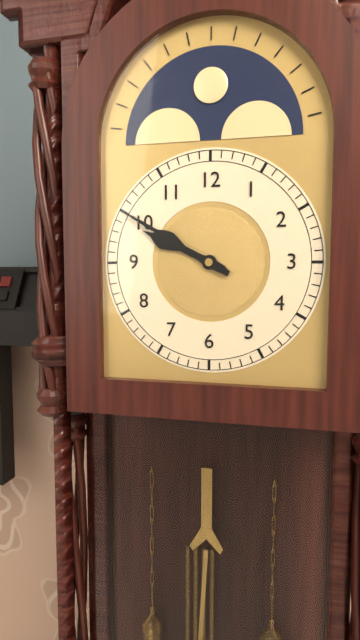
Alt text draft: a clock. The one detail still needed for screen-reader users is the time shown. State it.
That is 9:50
